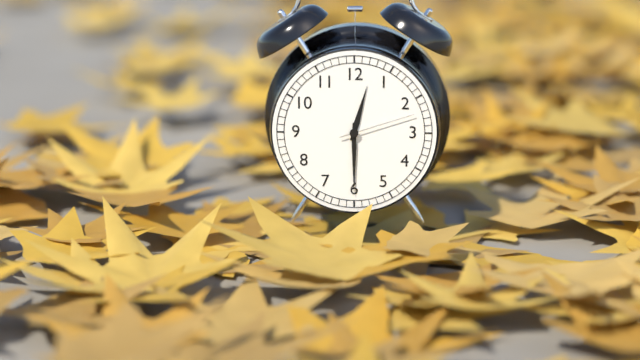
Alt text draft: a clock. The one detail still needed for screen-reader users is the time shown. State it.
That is 12:30:12
